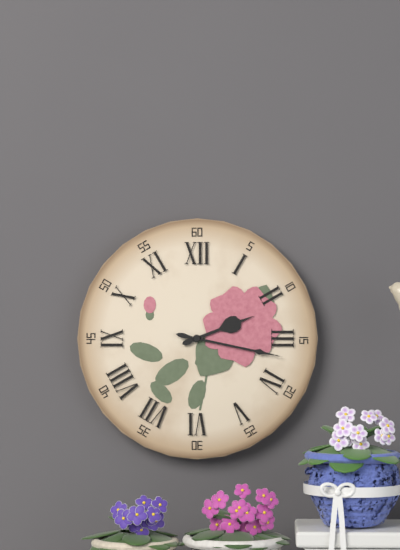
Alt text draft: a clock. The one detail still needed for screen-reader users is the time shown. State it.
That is 2:17
